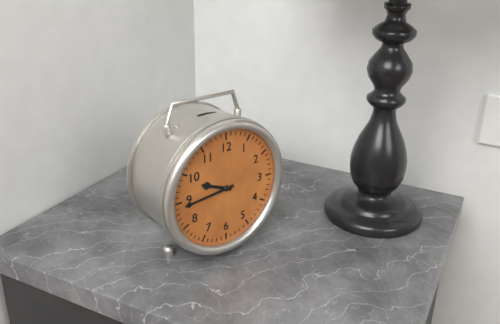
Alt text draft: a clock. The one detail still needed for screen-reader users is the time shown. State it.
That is 9:44
